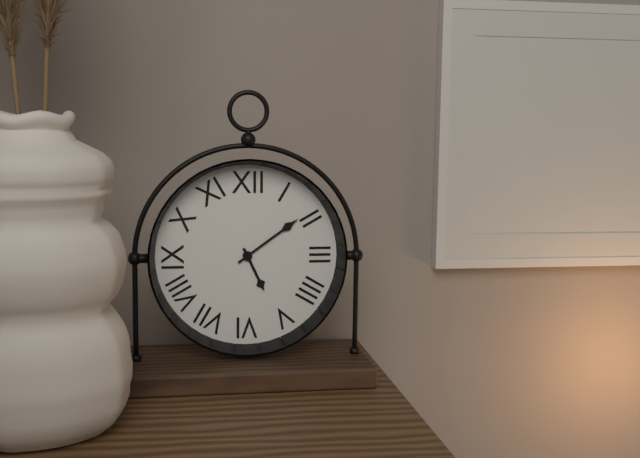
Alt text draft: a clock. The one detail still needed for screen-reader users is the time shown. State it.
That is 5:09
